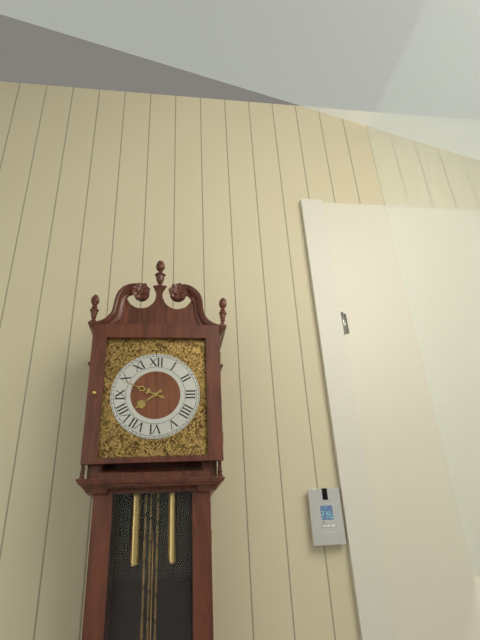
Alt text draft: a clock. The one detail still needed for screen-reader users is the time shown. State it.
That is 7:49
